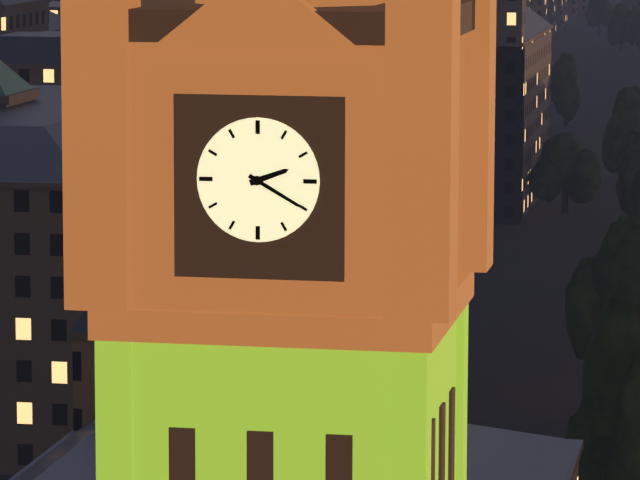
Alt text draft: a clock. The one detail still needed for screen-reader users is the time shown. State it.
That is 2:20
